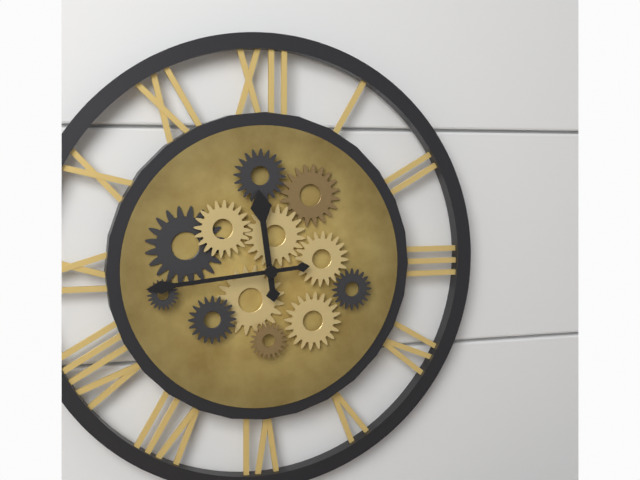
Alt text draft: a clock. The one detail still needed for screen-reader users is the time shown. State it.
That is 11:44
